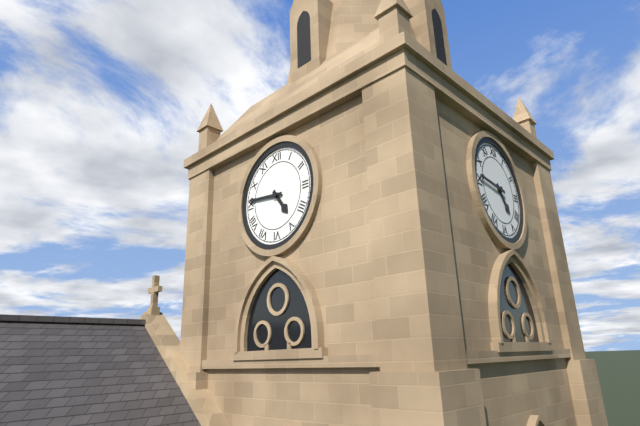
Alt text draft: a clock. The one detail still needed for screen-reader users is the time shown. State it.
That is 4:46
